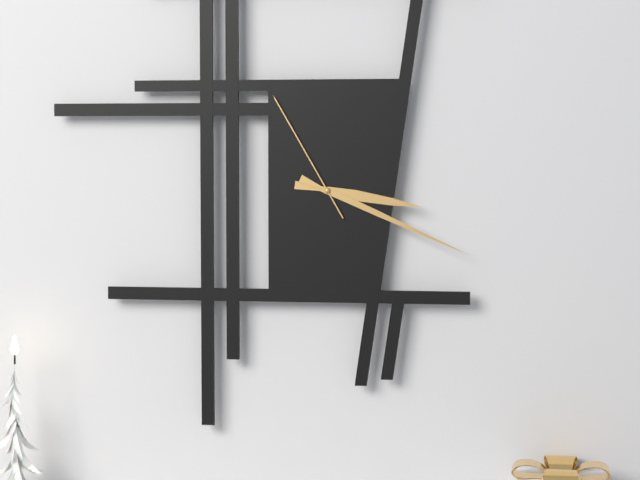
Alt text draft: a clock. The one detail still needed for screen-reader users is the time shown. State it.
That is 3:19:55
